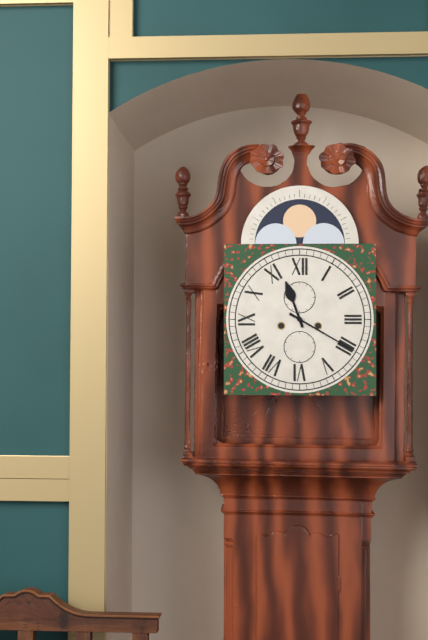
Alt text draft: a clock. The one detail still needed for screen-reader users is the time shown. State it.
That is 11:20
